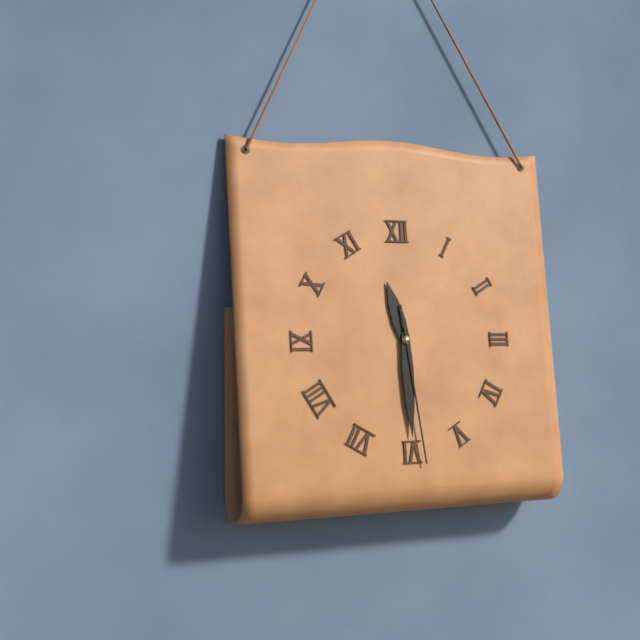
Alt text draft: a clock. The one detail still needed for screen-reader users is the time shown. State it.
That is 11:30:29
